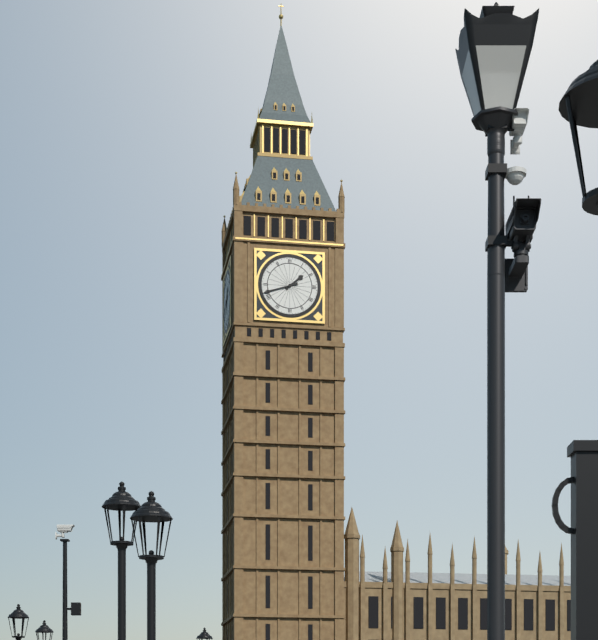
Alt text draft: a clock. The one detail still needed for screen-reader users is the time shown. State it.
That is 1:42
